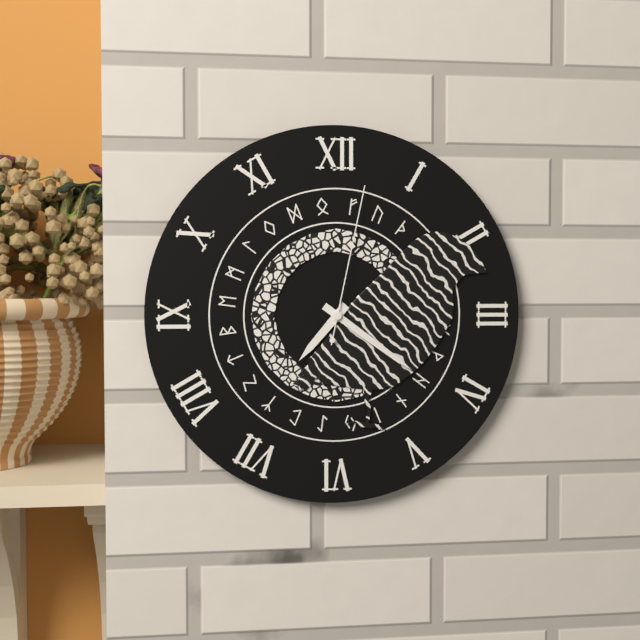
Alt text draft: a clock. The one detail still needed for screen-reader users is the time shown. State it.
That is 7:21:02
